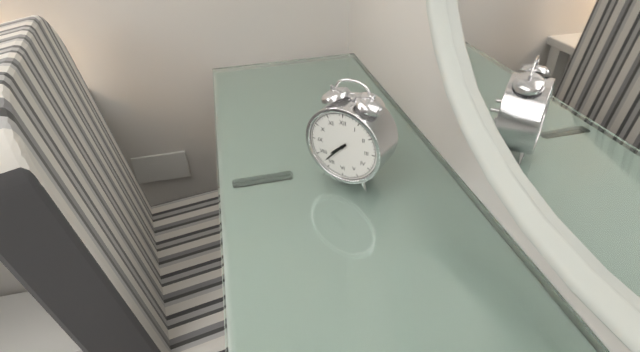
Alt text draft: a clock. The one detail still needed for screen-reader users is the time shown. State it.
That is 7:37
